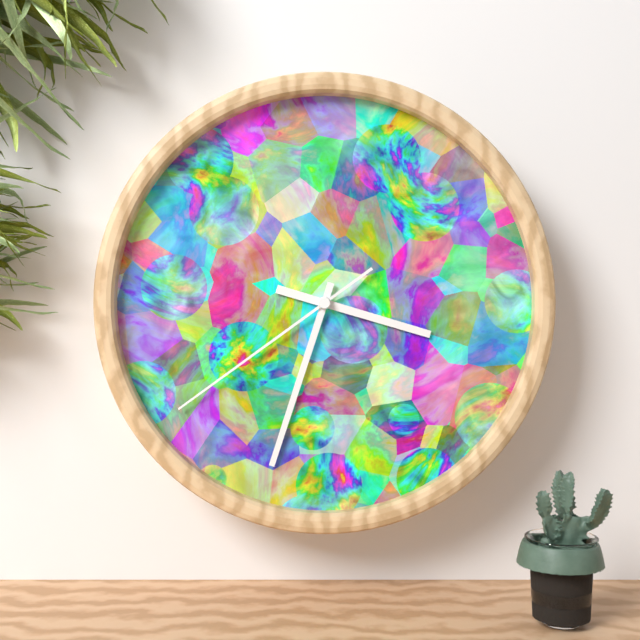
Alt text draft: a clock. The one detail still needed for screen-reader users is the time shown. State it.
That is 3:33:39
